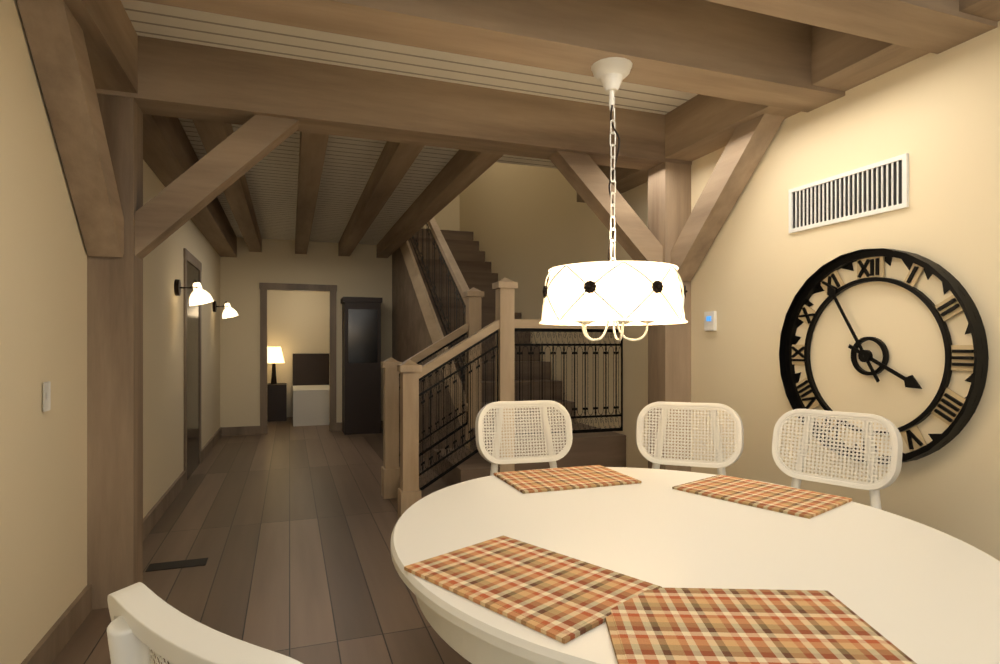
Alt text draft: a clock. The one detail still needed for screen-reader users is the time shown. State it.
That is 3:55
